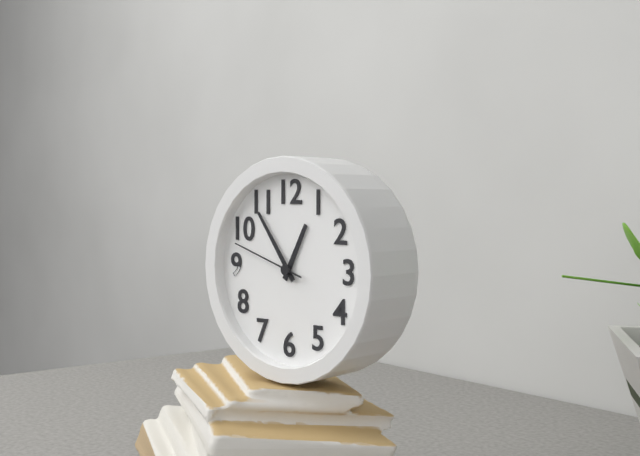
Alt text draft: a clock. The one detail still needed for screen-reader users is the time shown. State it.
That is 12:54:48
